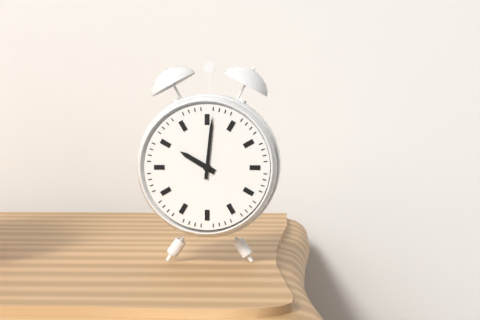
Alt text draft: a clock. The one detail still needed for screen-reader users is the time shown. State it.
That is 10:01
